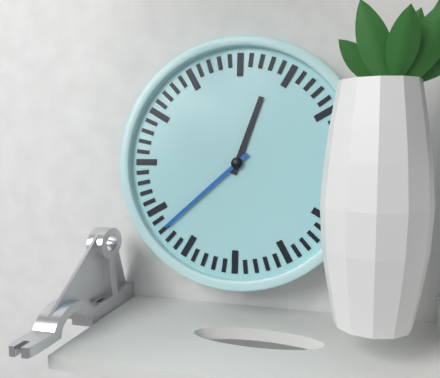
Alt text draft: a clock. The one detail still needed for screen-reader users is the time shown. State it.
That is 12:38
